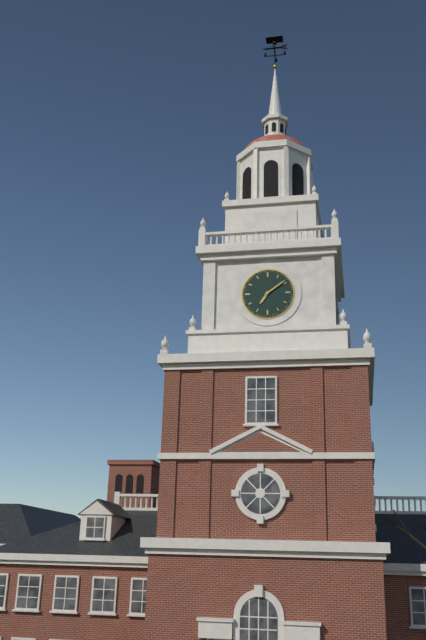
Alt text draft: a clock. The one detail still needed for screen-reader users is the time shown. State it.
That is 7:09
